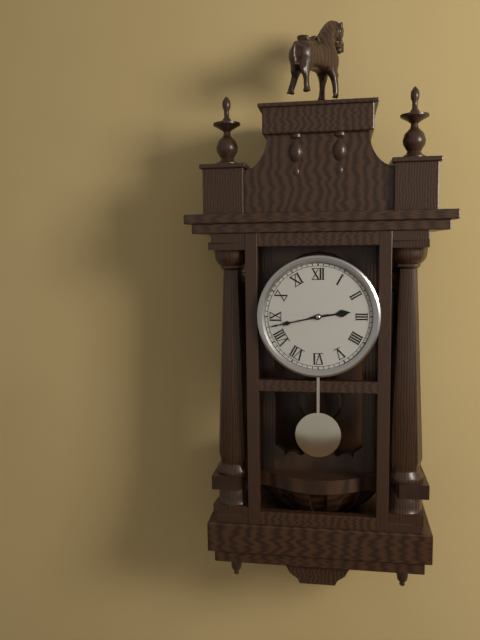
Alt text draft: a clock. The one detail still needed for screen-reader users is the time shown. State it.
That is 2:43
